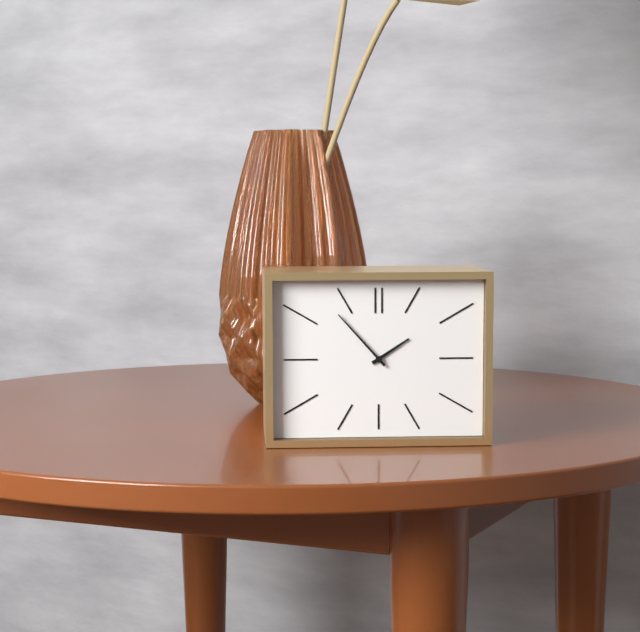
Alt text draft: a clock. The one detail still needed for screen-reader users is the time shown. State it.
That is 1:53
